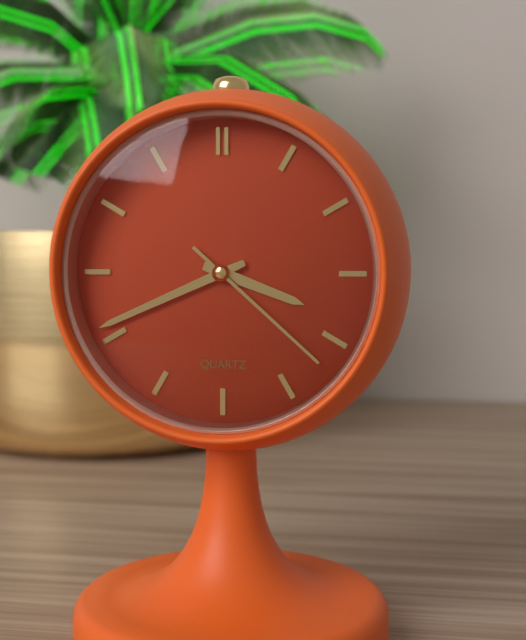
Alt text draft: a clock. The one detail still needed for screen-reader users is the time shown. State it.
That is 3:41:22
